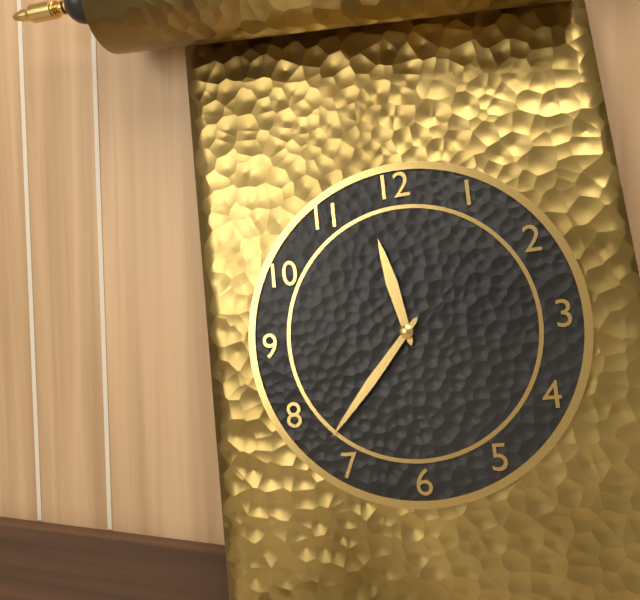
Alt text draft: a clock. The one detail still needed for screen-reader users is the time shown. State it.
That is 11:37
